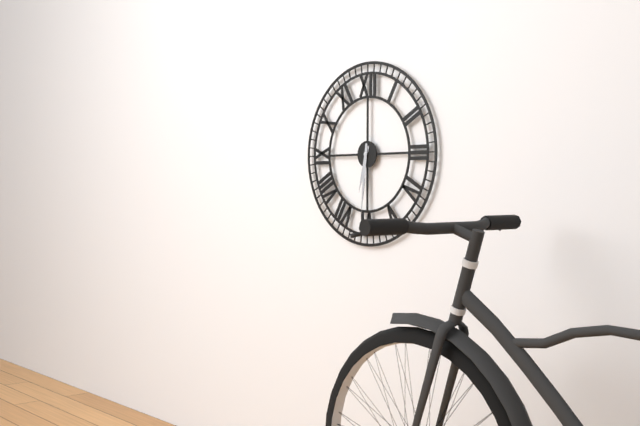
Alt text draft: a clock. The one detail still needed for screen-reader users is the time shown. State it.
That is 6:31
